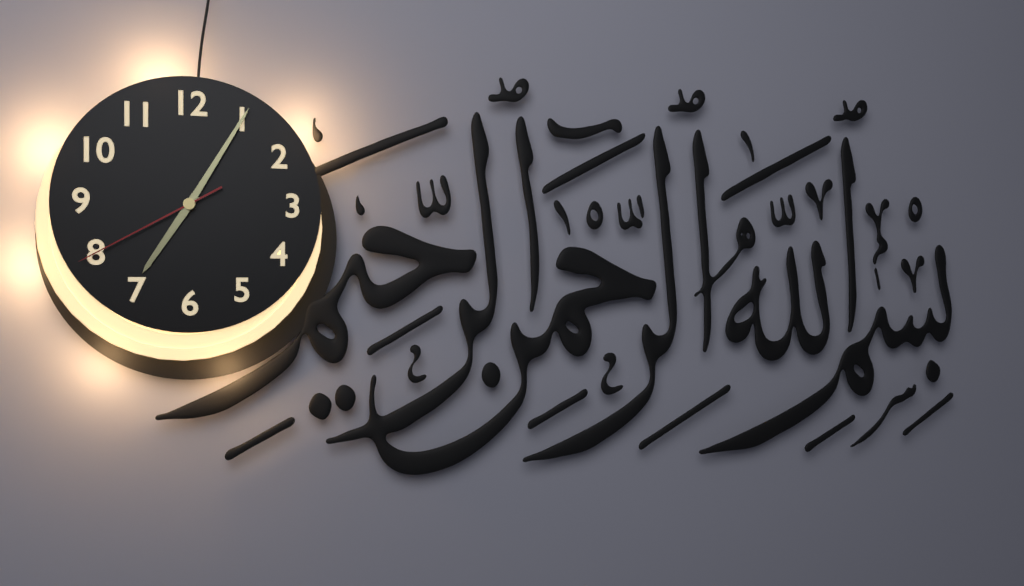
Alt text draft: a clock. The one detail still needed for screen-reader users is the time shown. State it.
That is 7:05:40
